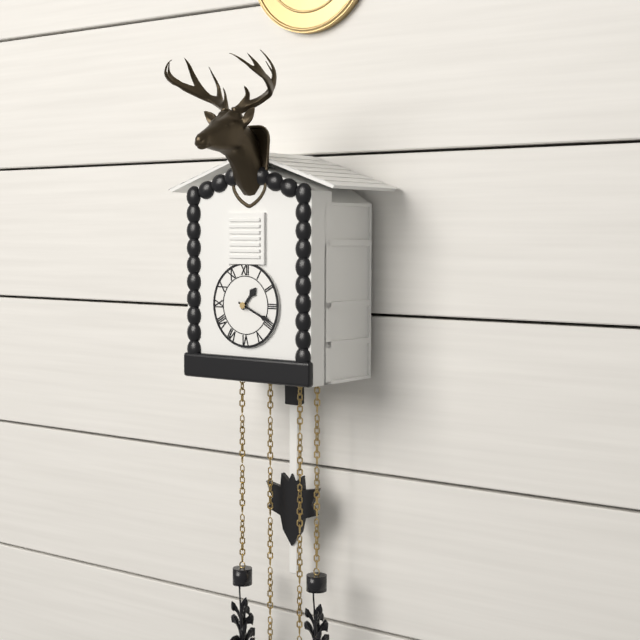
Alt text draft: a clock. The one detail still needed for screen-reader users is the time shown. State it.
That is 1:19
